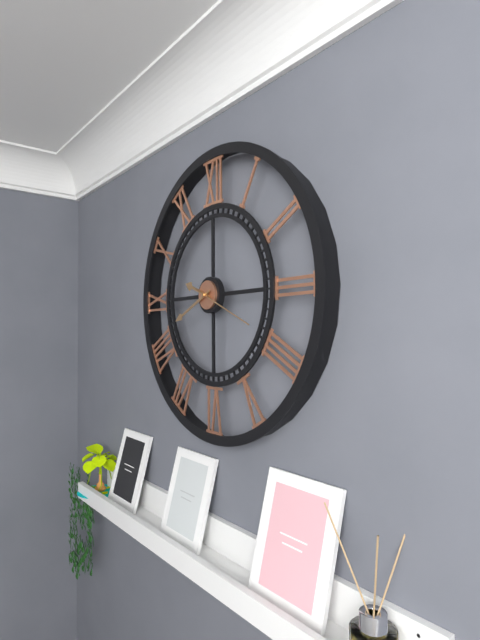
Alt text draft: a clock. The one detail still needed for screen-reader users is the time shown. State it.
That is 9:41:19
